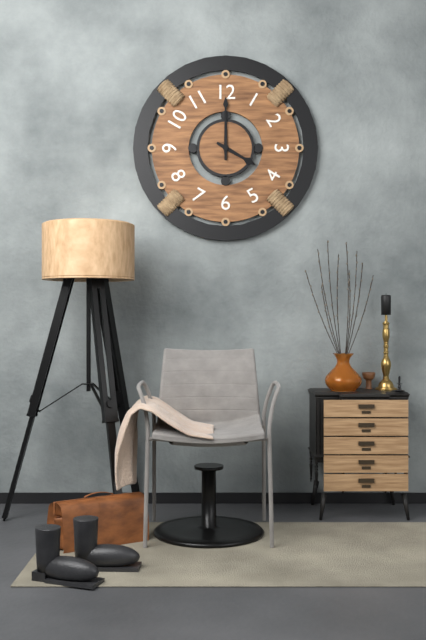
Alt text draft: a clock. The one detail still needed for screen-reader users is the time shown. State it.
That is 4:00
